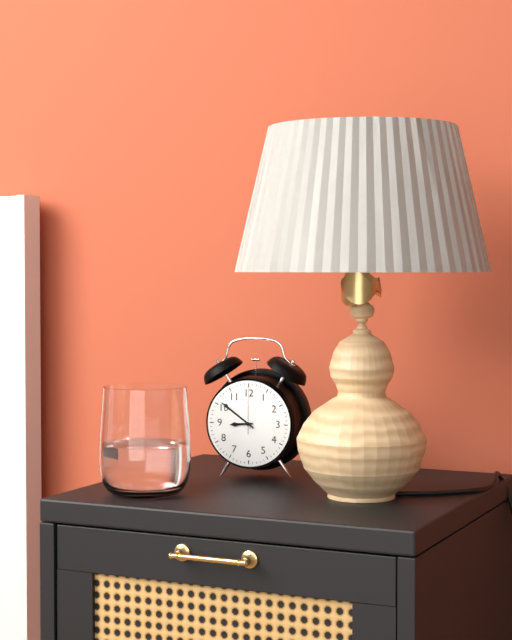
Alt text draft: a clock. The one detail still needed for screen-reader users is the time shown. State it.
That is 8:51
